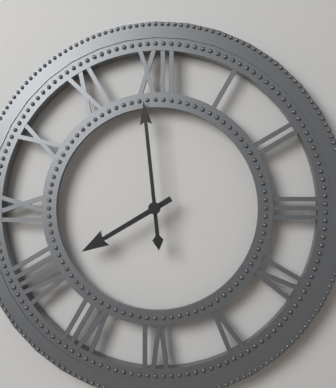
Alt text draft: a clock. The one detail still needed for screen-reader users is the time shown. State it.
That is 7:59
